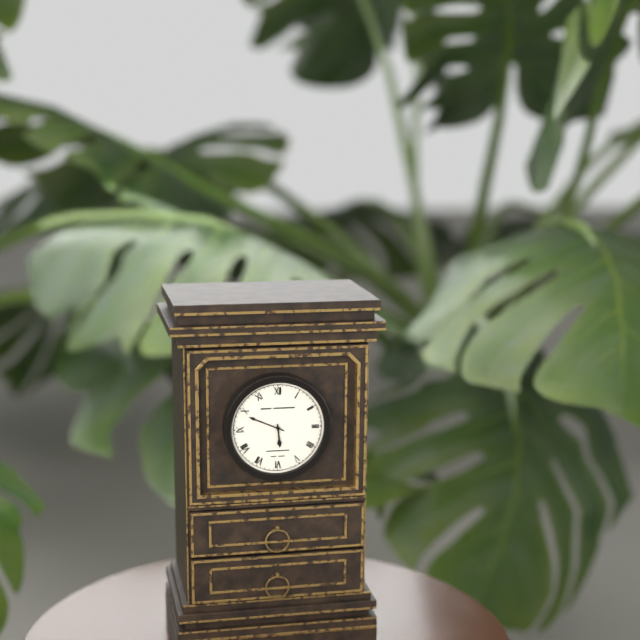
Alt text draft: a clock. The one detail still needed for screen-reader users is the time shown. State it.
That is 5:49
